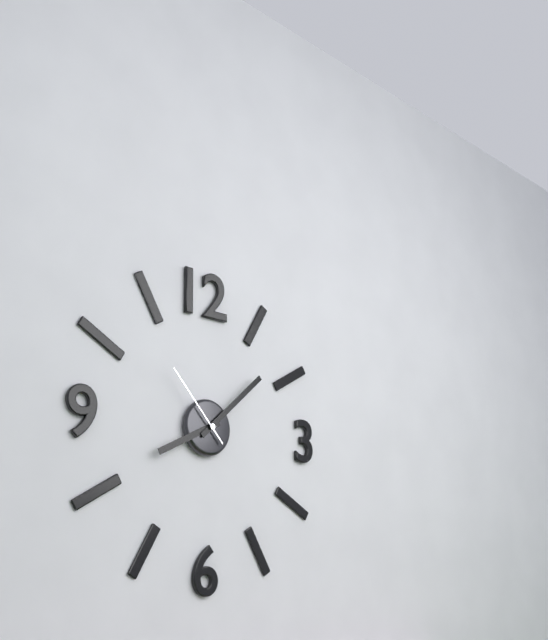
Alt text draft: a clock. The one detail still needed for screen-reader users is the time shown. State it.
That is 8:08:53
